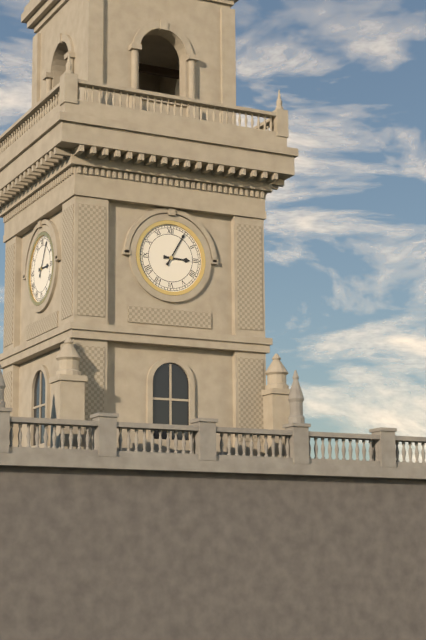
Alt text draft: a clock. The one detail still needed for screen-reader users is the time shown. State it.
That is 3:05
